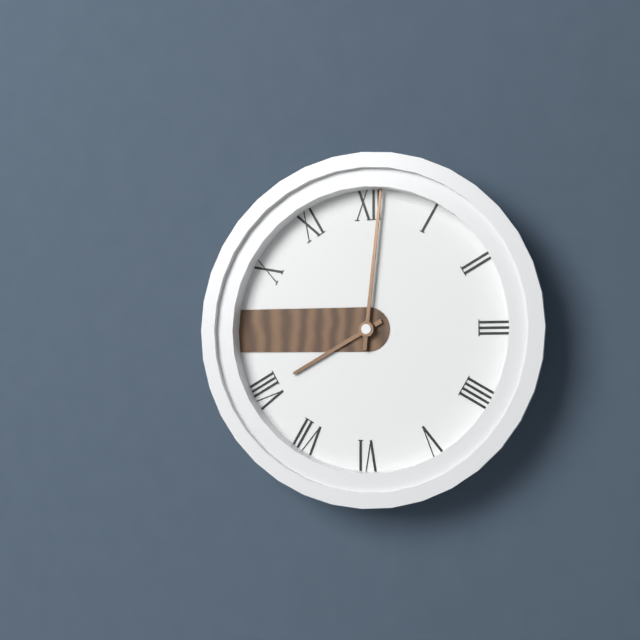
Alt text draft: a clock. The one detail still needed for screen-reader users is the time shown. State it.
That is 8:01
